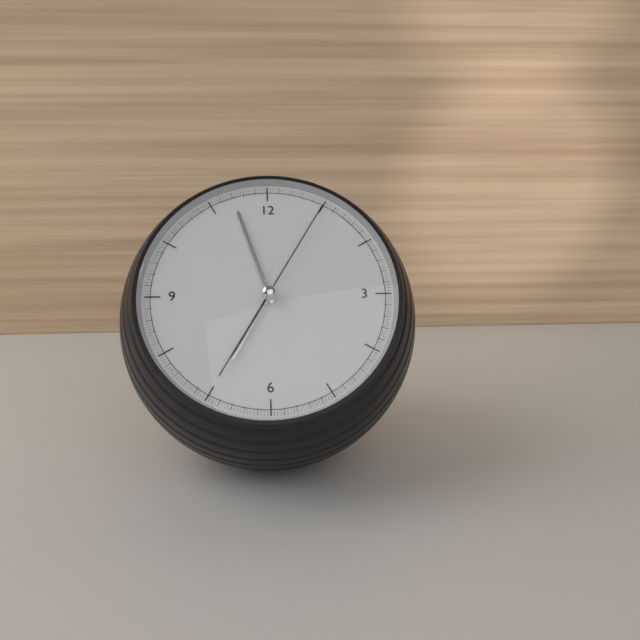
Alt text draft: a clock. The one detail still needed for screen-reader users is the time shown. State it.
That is 6:57:05
